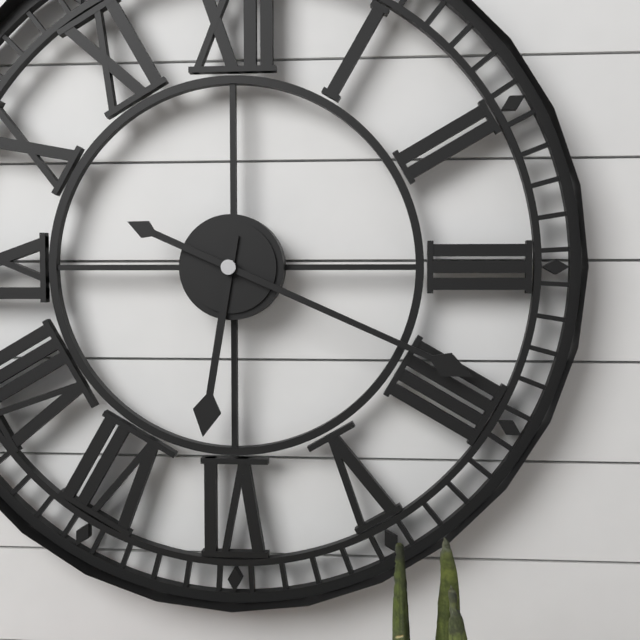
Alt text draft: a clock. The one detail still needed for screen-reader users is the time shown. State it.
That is 6:19
